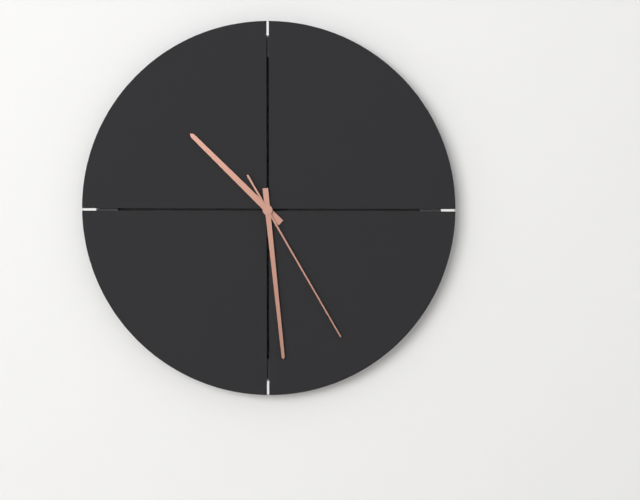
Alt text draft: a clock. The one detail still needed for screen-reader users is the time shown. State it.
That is 10:29:25
